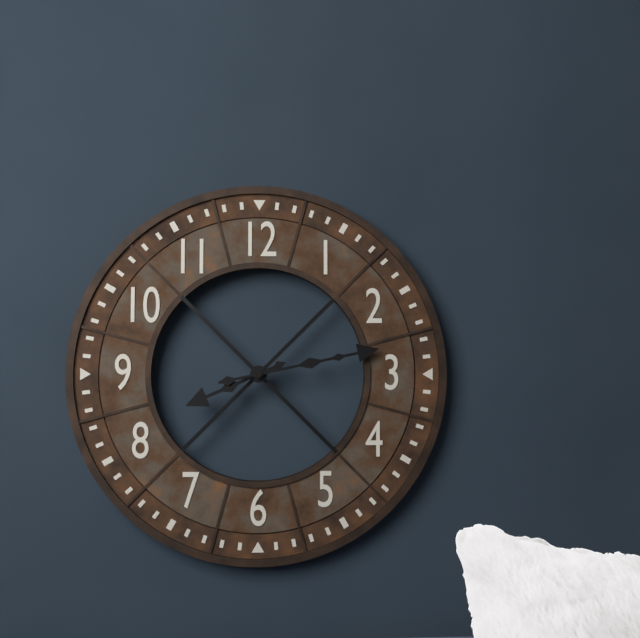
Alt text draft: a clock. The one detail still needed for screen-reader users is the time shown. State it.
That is 8:13
